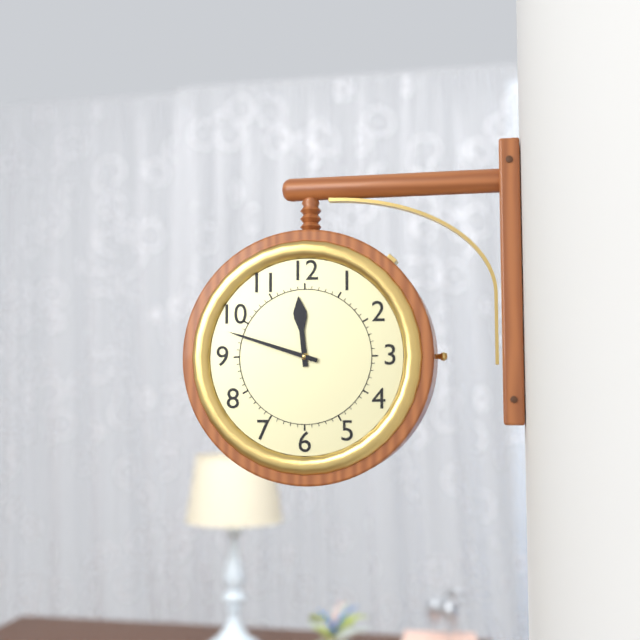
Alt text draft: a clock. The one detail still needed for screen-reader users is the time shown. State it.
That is 11:48
